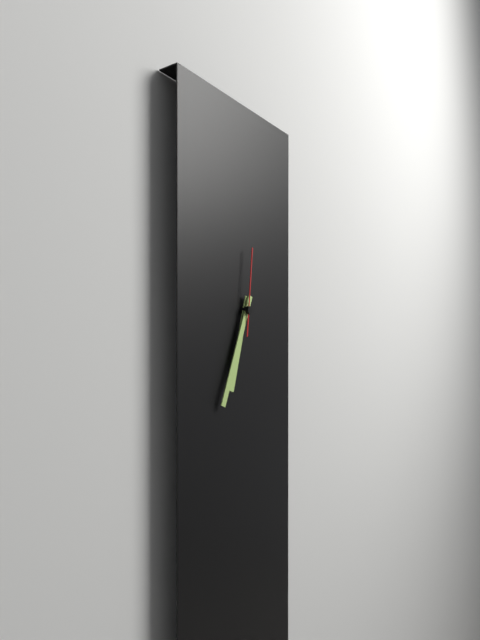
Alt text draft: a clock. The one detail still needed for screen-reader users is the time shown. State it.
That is 6:34:01
